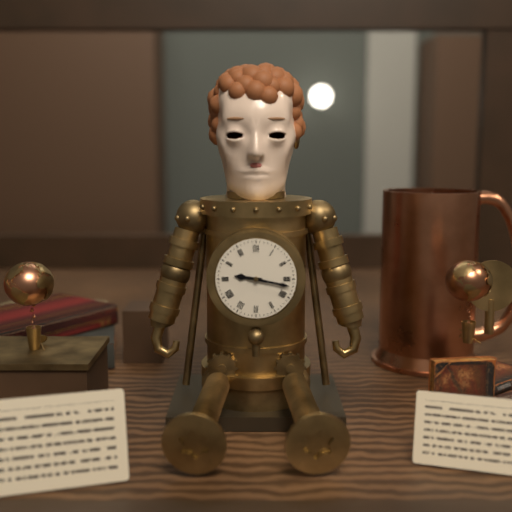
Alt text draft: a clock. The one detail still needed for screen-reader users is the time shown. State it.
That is 9:17
